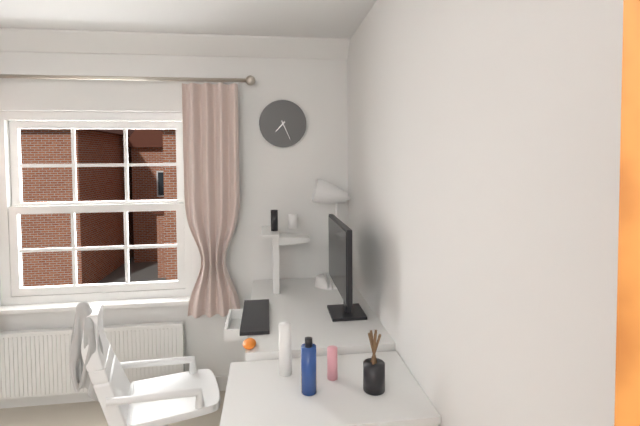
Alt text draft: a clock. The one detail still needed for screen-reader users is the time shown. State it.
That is 7:26
